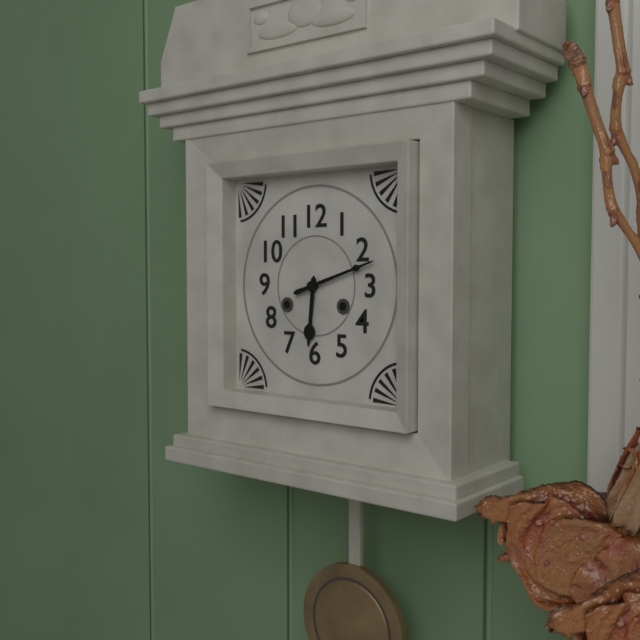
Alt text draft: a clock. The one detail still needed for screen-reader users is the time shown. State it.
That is 6:12
